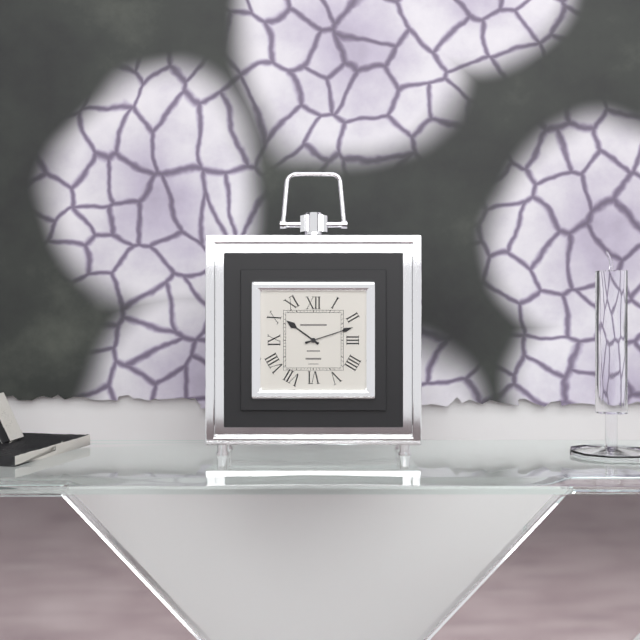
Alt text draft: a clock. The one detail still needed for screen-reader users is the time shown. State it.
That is 10:12
